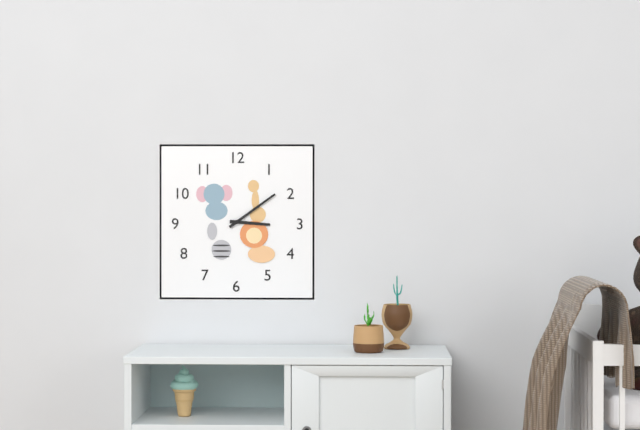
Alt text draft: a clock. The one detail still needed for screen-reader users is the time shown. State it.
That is 3:09
